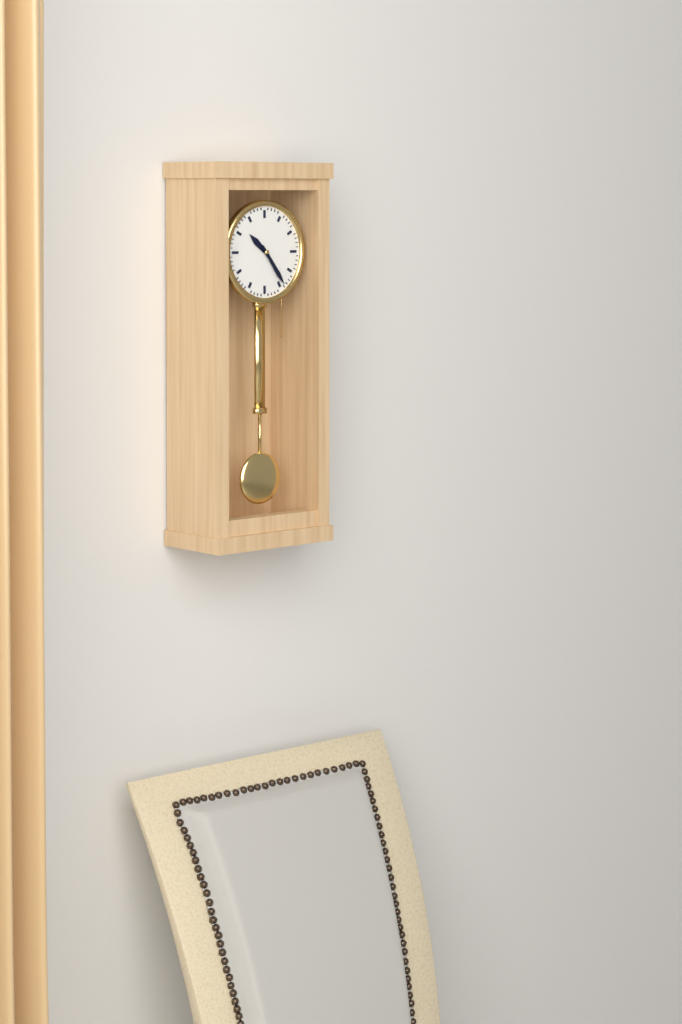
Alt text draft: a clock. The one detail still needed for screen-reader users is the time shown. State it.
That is 10:24
